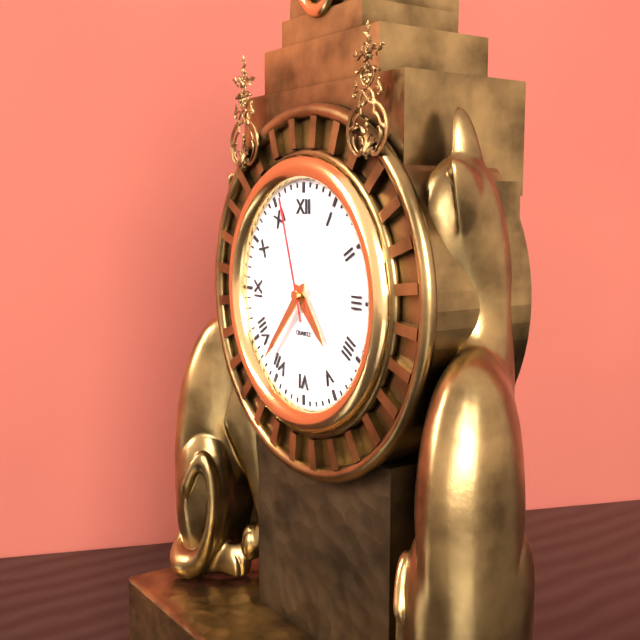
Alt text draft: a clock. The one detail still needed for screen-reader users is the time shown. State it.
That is 4:37:57
